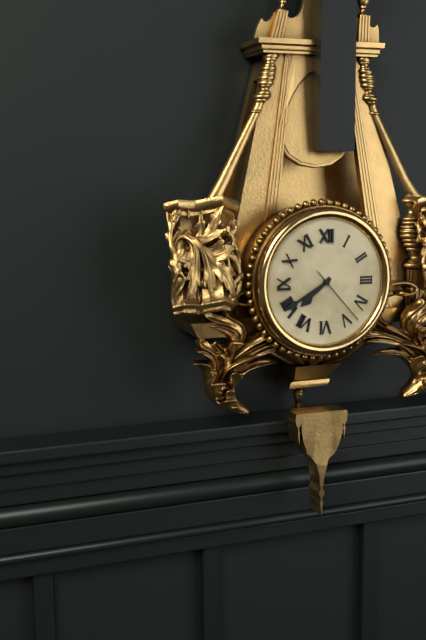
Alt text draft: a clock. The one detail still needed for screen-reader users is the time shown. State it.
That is 7:40:23
